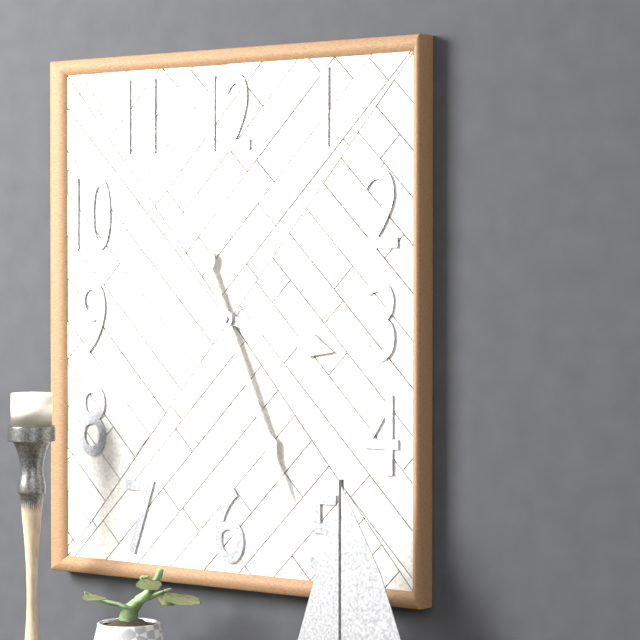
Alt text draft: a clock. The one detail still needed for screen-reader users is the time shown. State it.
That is 3:26
